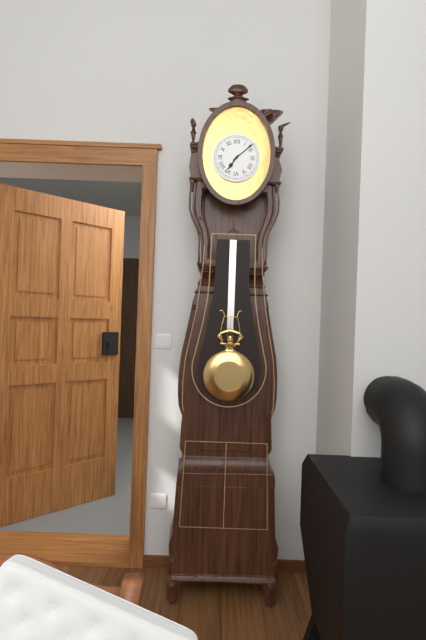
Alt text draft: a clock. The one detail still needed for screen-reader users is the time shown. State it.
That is 7:08
